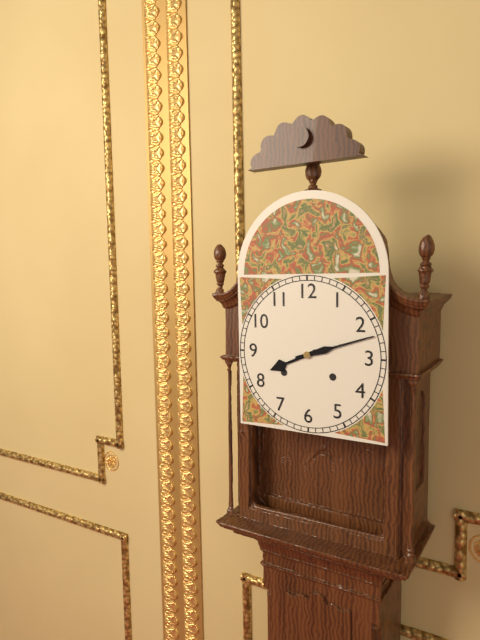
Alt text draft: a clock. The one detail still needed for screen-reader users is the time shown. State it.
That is 8:12
